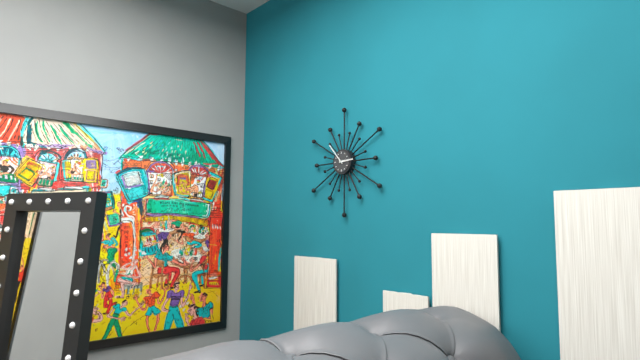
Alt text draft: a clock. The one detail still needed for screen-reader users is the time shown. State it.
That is 2:53
